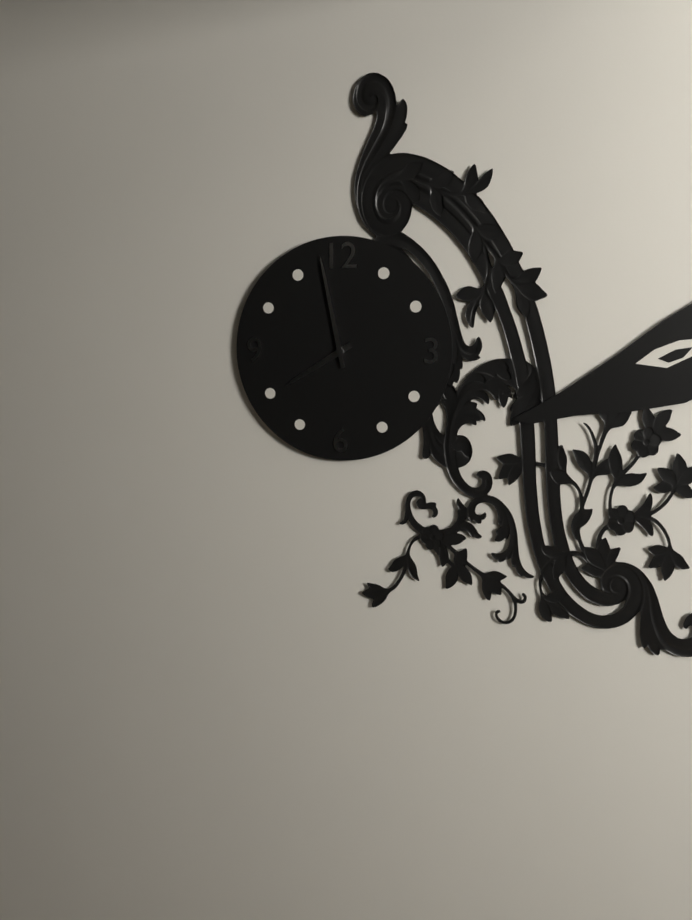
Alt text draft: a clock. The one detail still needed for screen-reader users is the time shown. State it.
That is 7:58
